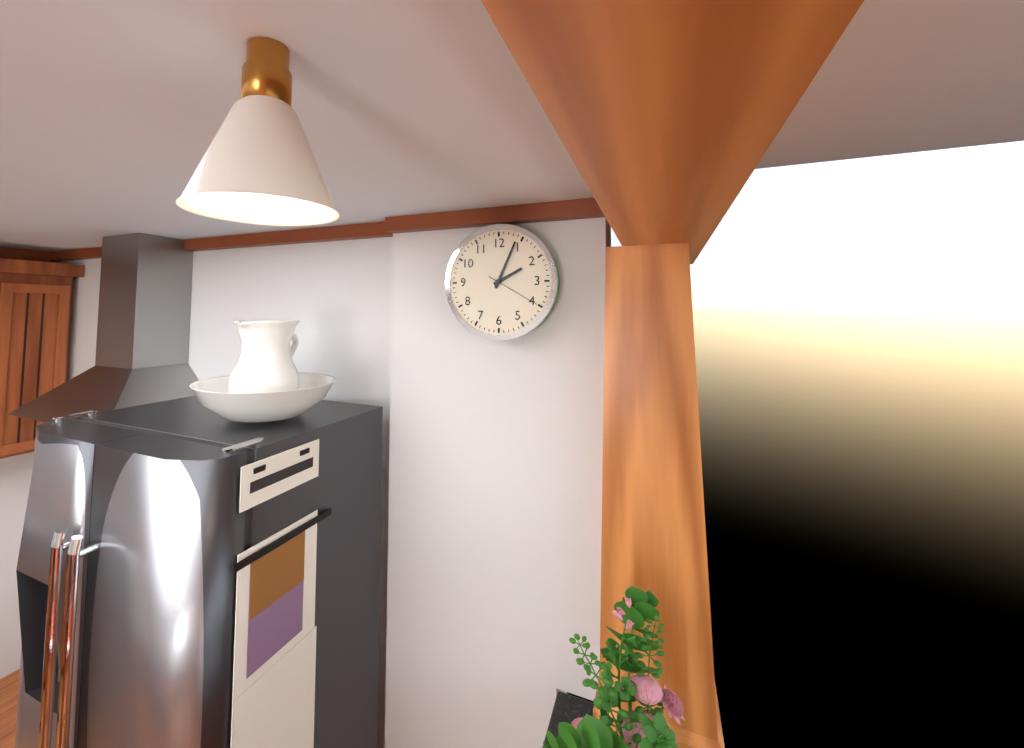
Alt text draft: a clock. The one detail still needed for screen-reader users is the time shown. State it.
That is 2:04:20
